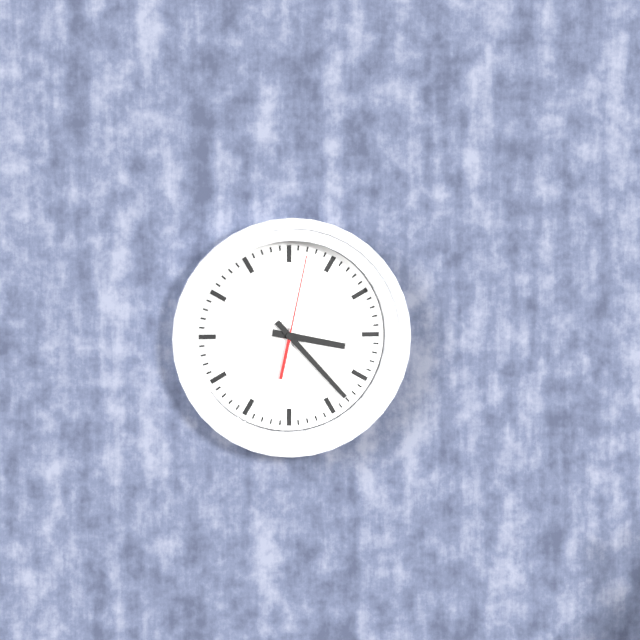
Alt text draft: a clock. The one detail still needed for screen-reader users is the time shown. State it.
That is 3:23:02
